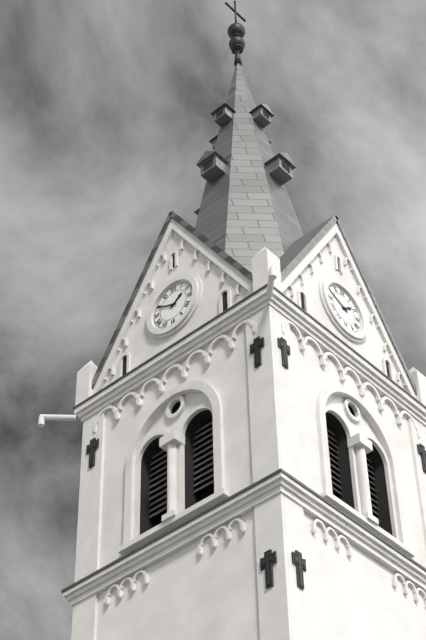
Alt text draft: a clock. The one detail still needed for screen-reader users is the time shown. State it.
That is 1:49
